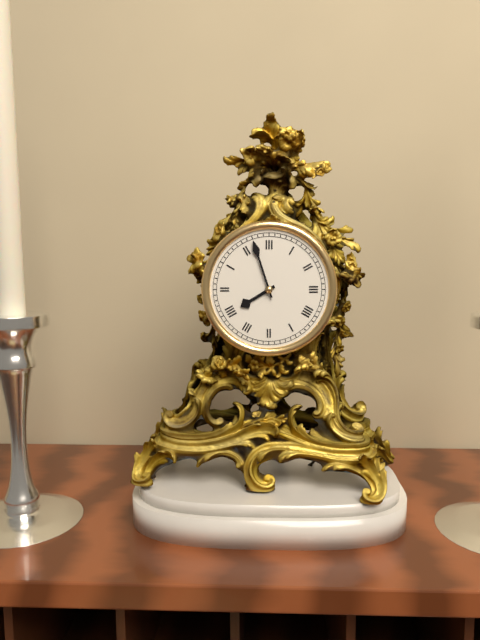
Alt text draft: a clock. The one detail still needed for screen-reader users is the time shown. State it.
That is 7:57
